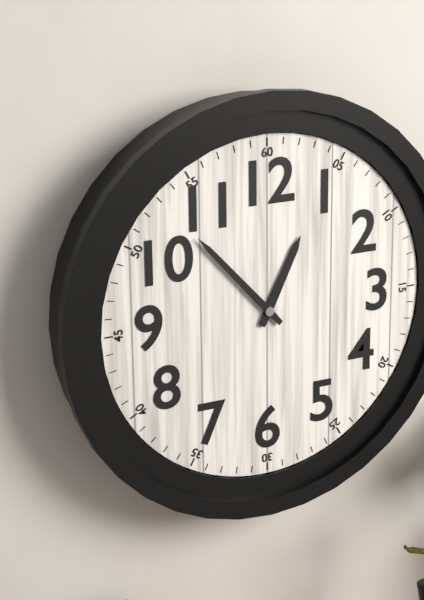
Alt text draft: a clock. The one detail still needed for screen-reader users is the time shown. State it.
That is 12:53
